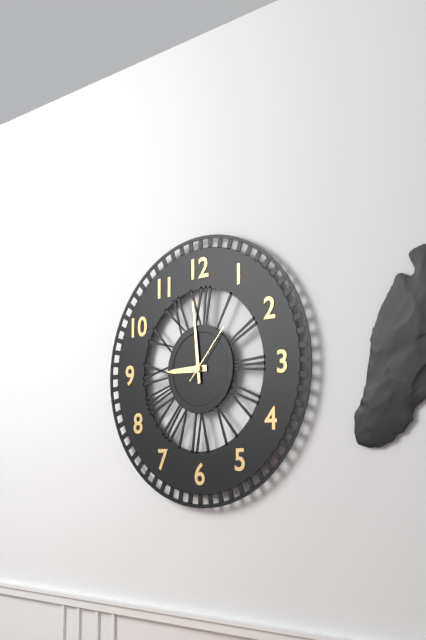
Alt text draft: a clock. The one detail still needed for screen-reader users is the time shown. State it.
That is 8:59:07
